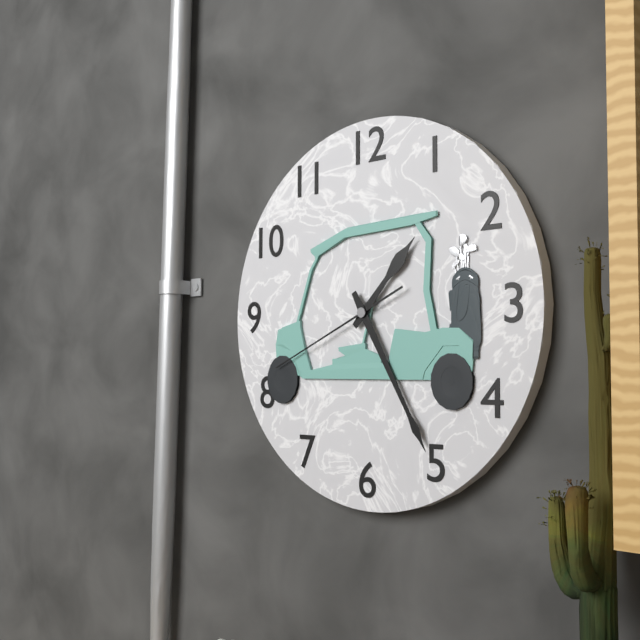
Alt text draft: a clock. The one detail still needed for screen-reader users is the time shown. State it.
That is 1:25:41
